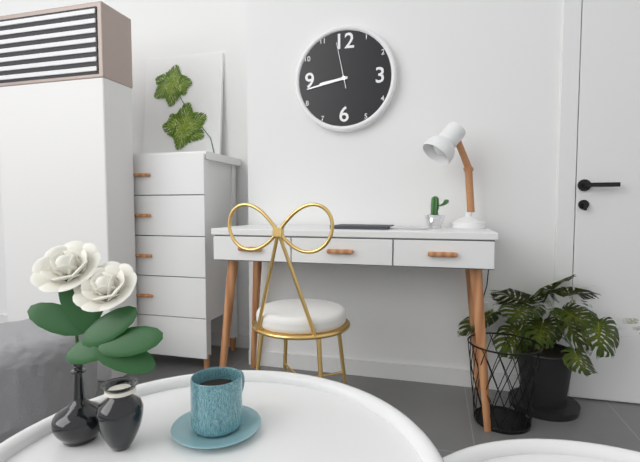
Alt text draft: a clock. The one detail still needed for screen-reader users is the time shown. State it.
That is 8:43
